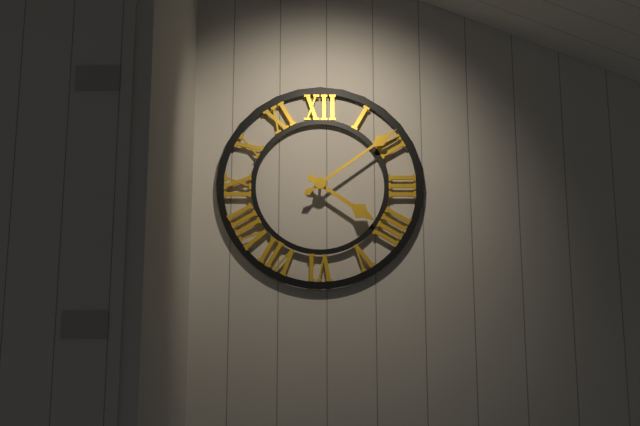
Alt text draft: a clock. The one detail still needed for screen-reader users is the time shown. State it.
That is 4:09
